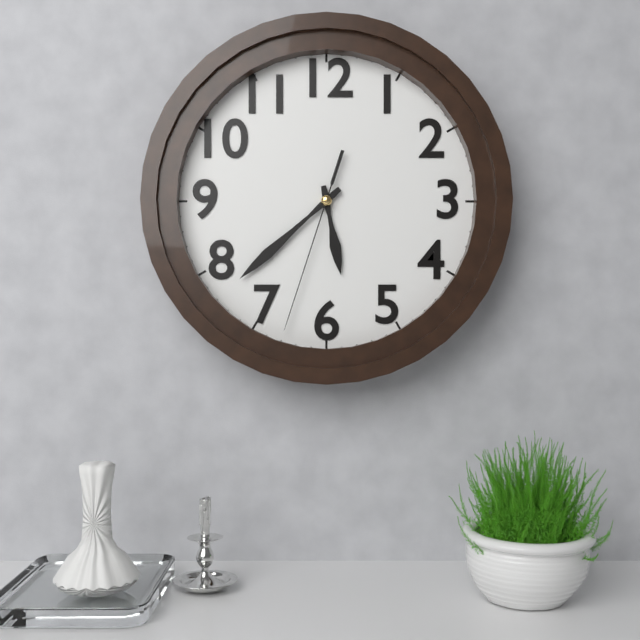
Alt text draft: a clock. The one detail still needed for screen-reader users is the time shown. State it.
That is 5:38:33
